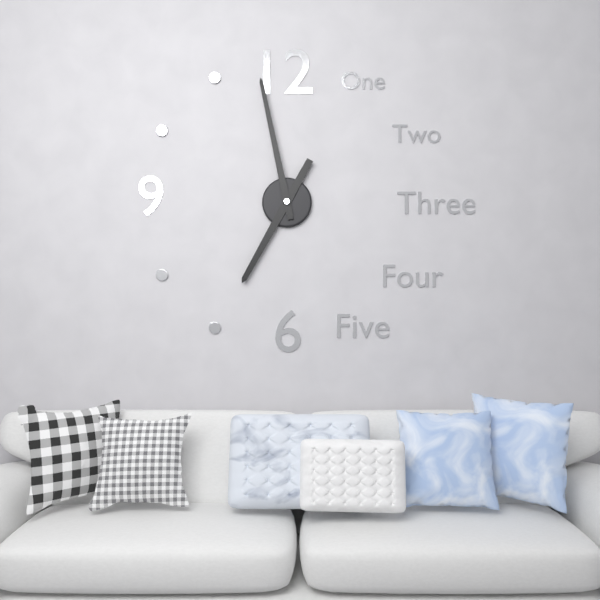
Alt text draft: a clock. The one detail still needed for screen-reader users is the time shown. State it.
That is 6:58
